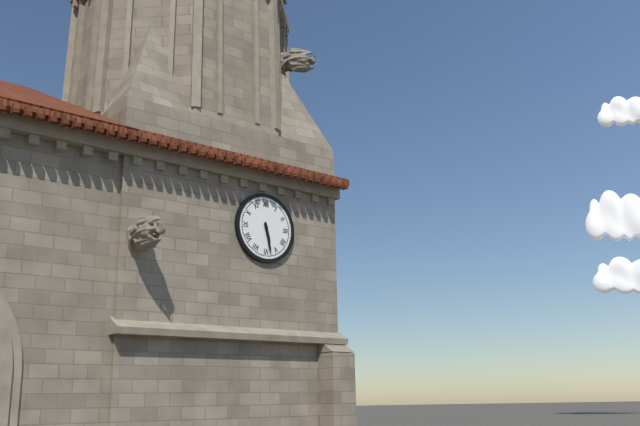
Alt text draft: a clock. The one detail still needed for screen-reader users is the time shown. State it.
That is 5:28
